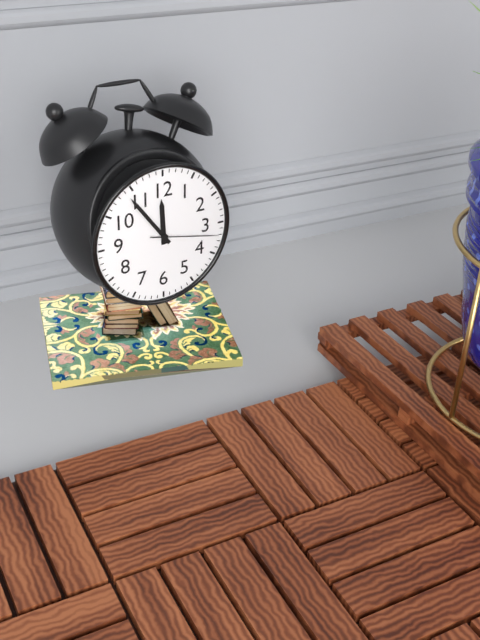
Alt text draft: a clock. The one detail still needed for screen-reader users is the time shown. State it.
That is 11:54:17
